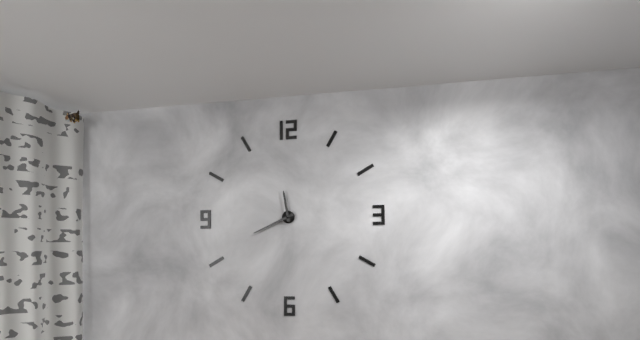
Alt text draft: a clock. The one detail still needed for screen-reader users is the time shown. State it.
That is 11:41
